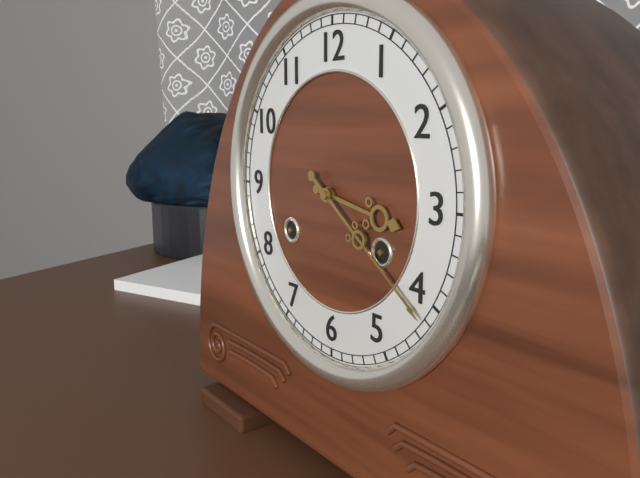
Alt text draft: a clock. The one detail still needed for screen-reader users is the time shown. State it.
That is 3:21
